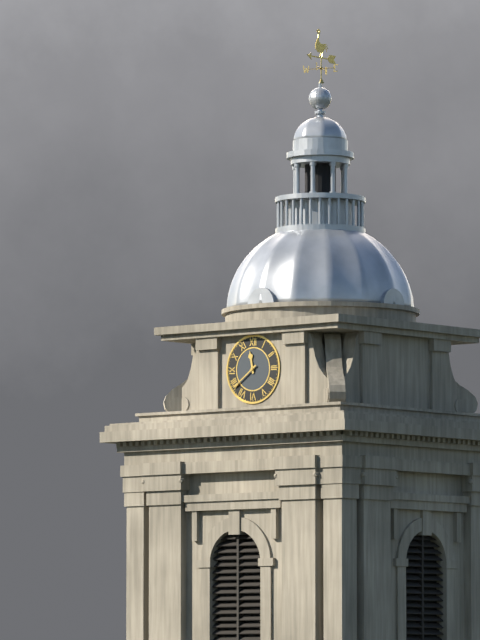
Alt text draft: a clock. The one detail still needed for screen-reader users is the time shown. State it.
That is 11:39
